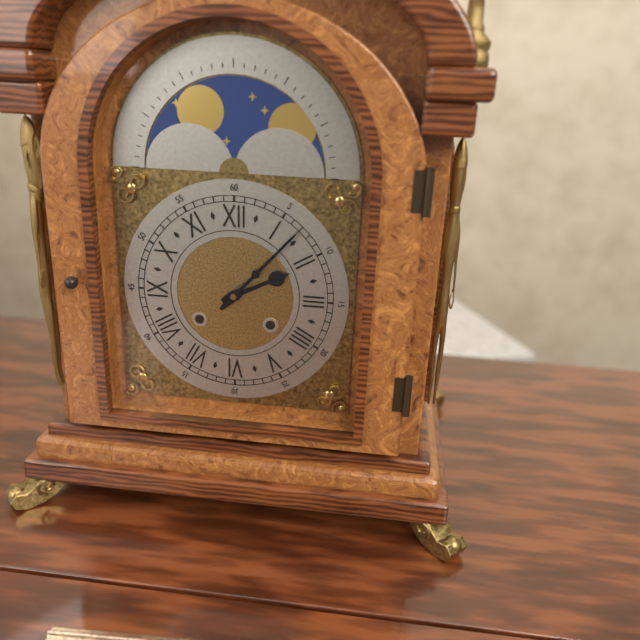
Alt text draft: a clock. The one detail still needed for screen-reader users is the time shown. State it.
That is 2:07
